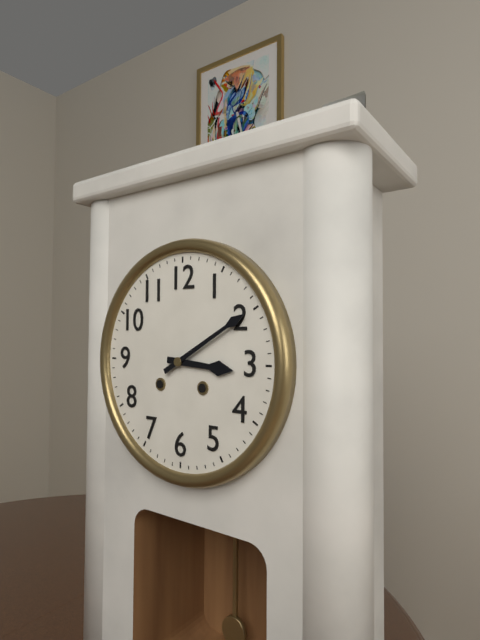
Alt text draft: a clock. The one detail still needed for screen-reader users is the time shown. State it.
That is 3:10
